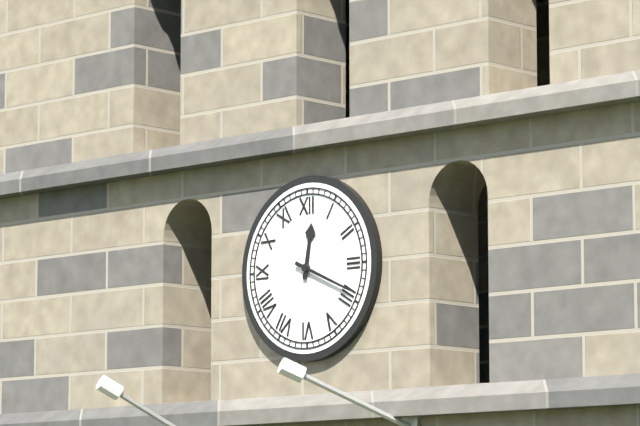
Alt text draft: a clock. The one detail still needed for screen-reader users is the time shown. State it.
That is 12:19
